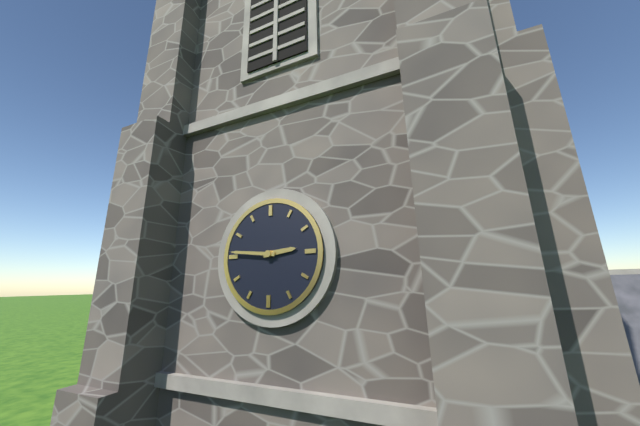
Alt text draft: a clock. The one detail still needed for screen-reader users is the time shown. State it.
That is 2:46
